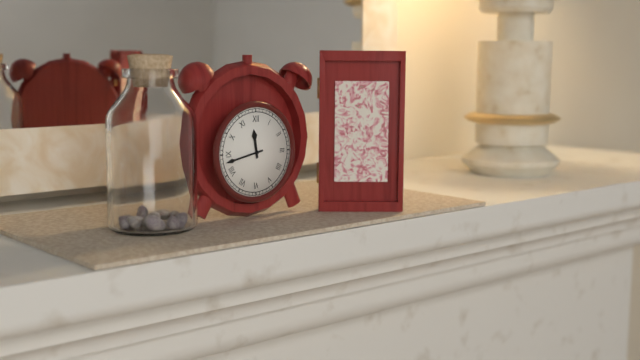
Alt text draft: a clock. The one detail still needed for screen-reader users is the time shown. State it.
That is 11:43
